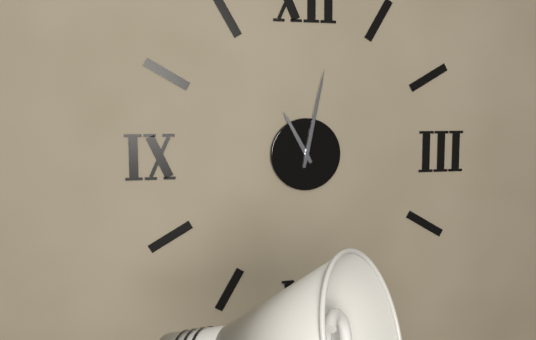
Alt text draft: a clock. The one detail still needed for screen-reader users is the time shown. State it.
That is 11:02
